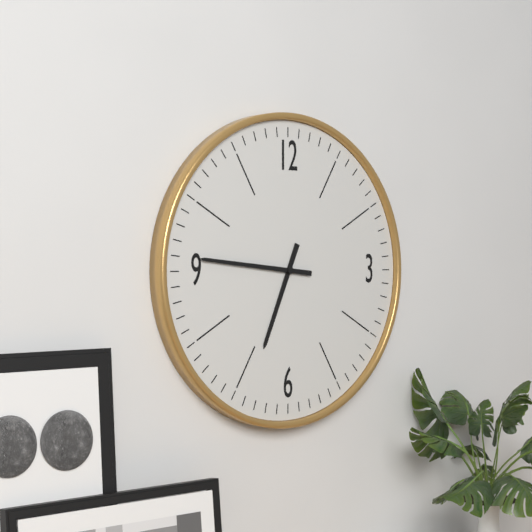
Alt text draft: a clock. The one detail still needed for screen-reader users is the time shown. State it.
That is 6:46
